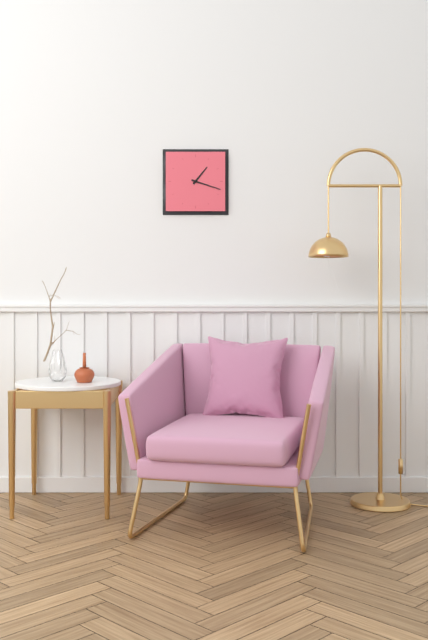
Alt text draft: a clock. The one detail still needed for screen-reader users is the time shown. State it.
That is 1:18
